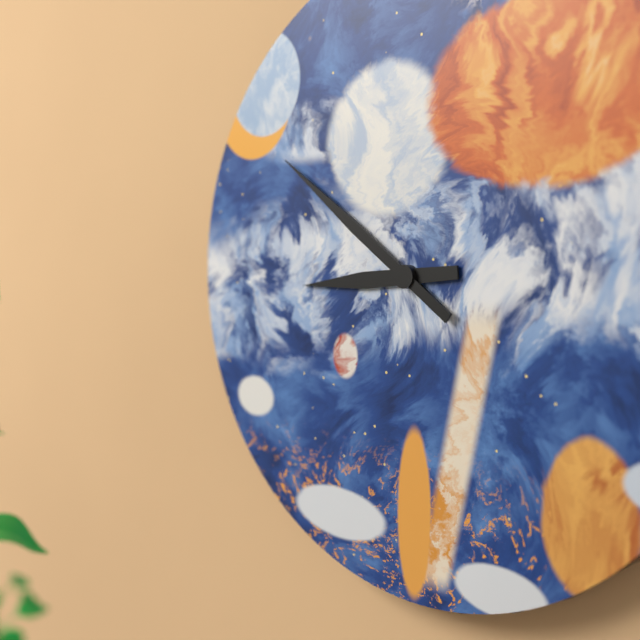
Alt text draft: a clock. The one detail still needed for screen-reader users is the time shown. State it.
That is 8:51
